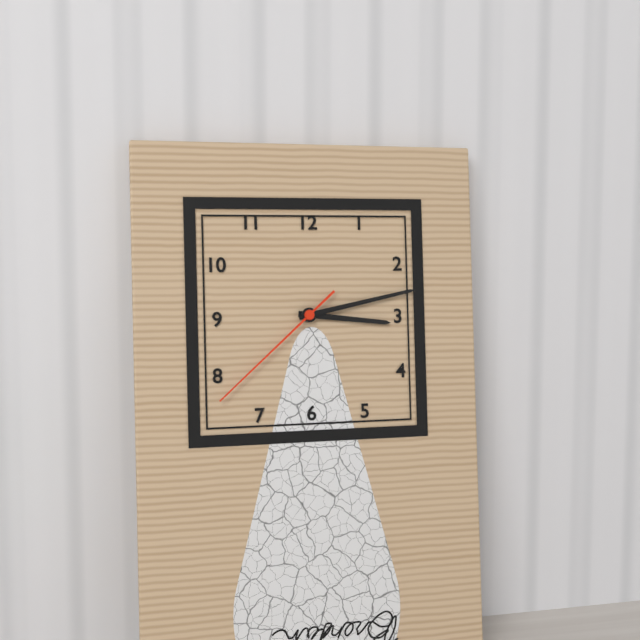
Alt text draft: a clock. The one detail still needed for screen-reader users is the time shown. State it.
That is 3:13:38
